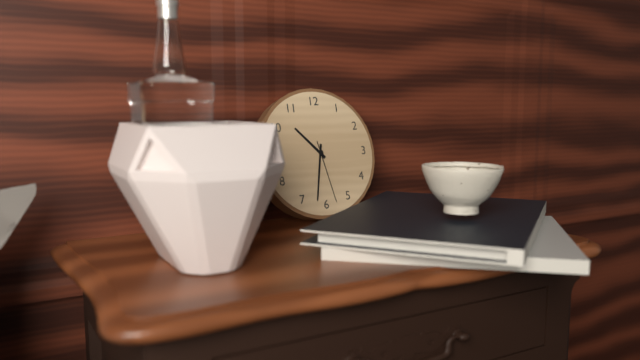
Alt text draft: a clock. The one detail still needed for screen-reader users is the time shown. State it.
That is 10:32:28
